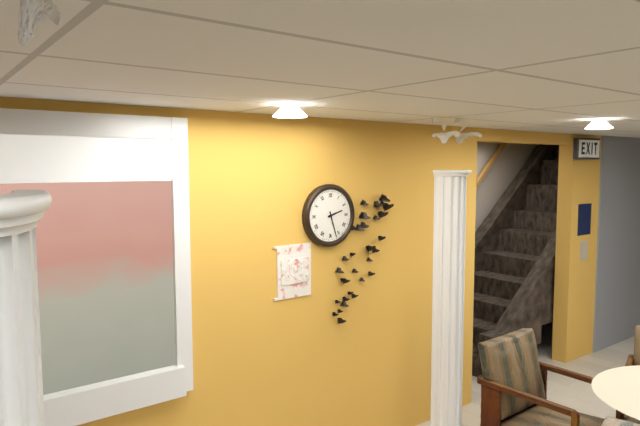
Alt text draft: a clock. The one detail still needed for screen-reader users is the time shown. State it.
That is 2:27
